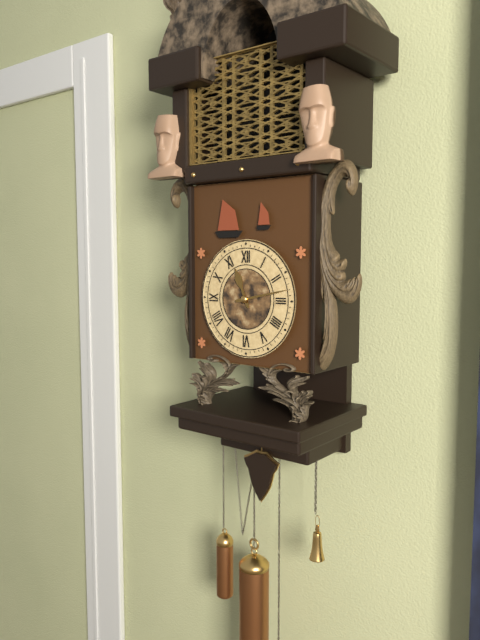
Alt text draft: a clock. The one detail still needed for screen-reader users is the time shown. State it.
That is 11:13
